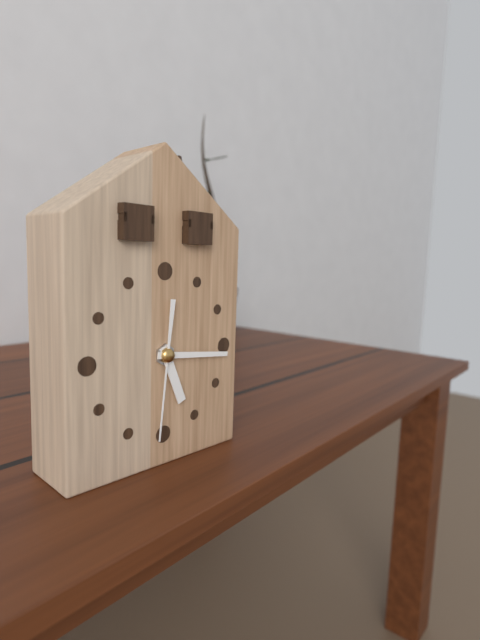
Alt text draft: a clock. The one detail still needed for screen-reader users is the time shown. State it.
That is 5:16:31
